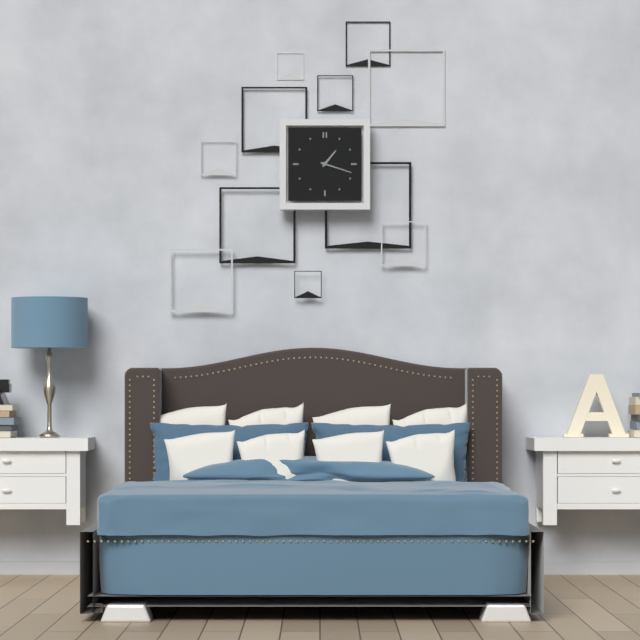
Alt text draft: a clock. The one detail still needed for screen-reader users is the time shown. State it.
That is 1:18
